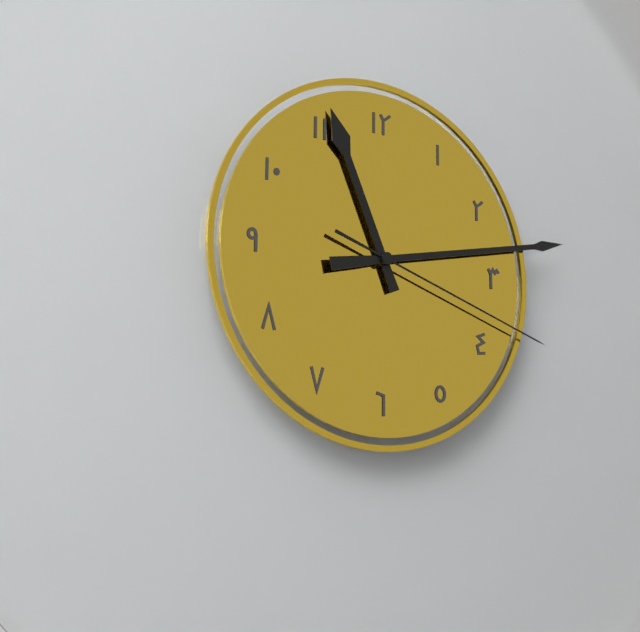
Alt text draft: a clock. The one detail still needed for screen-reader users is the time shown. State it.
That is 11:13:18
